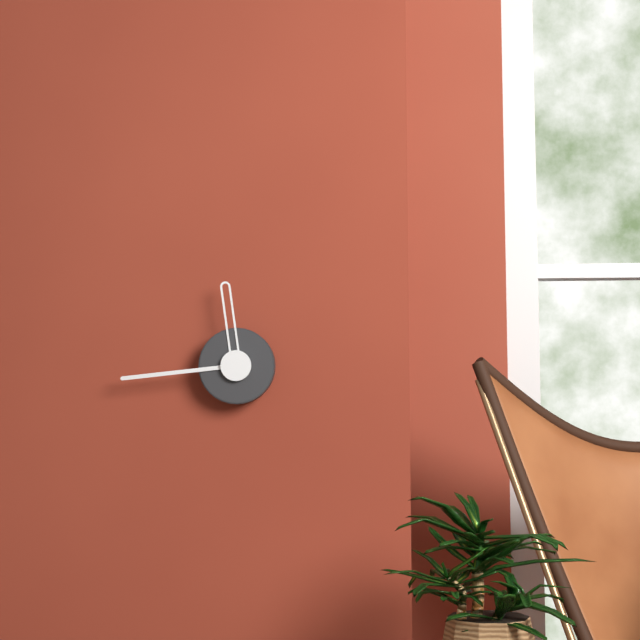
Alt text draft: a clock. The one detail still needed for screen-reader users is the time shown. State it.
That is 11:44
